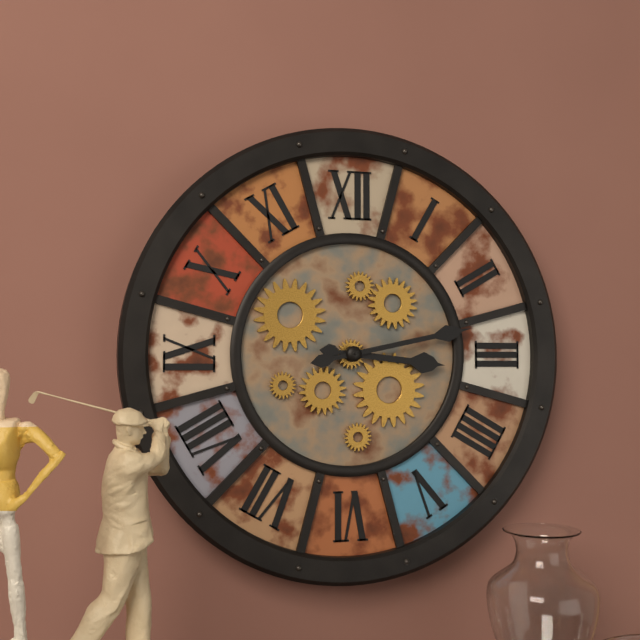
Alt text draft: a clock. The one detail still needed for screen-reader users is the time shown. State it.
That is 3:13
